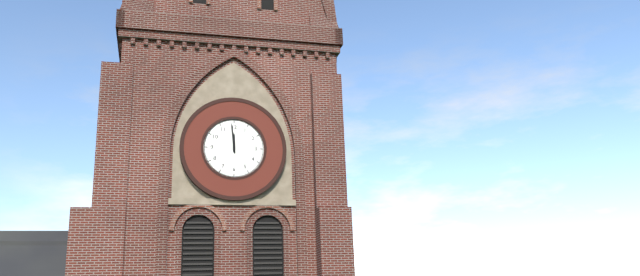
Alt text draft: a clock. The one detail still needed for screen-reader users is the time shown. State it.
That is 11:59
